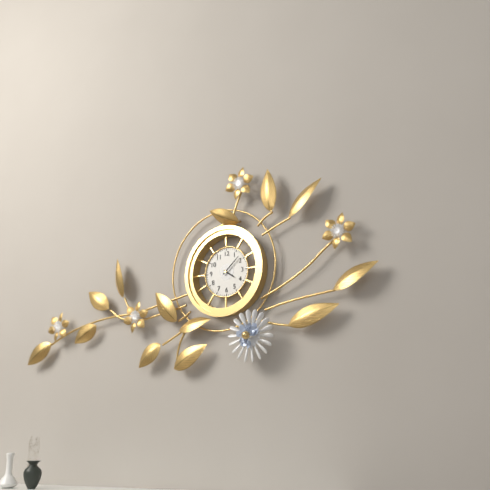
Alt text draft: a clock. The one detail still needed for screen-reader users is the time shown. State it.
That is 4:08
